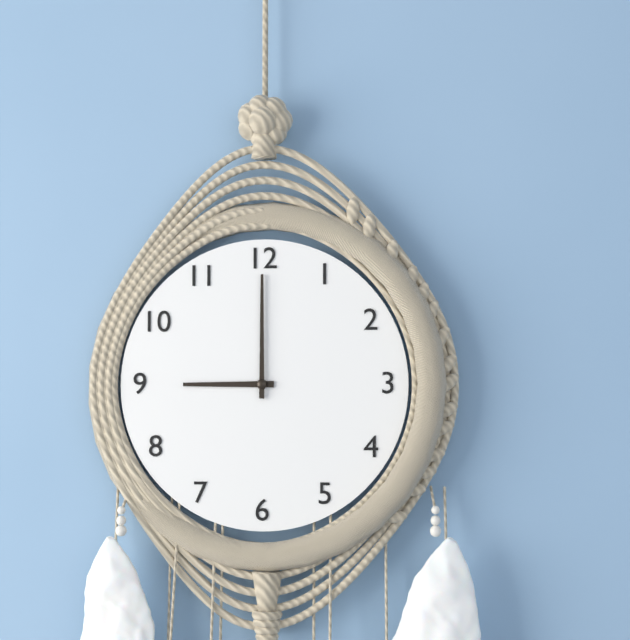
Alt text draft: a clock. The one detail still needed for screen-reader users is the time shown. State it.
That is 9:00
